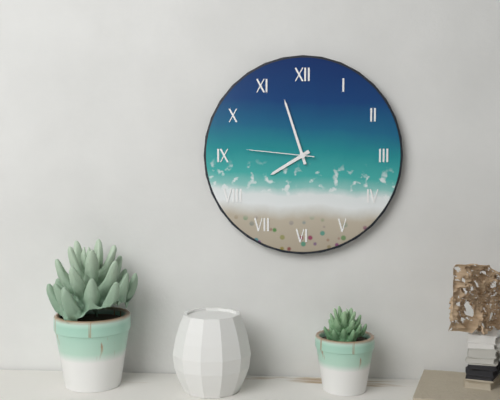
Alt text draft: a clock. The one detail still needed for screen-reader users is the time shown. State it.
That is 7:57:46
